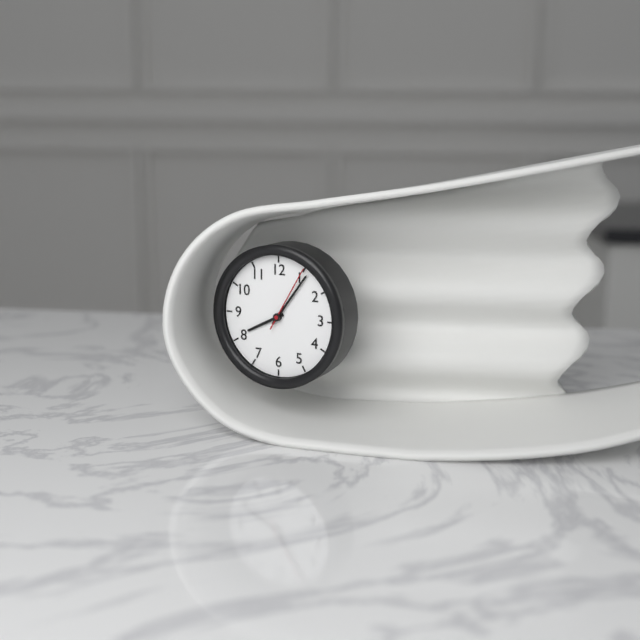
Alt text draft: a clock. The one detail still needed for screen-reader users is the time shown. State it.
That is 8:06:05
